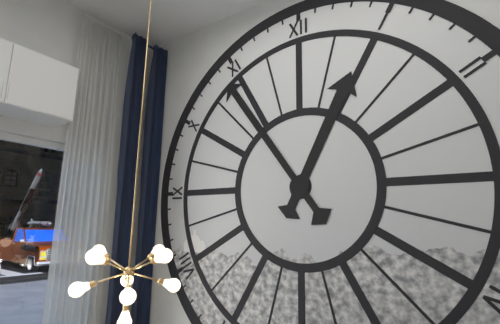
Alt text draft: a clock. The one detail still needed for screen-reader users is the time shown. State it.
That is 12:54
